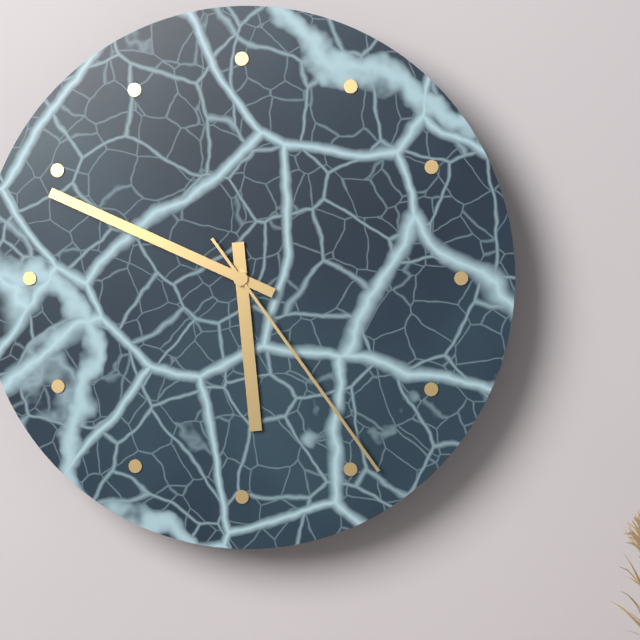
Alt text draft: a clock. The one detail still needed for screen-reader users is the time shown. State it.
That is 5:49:24
